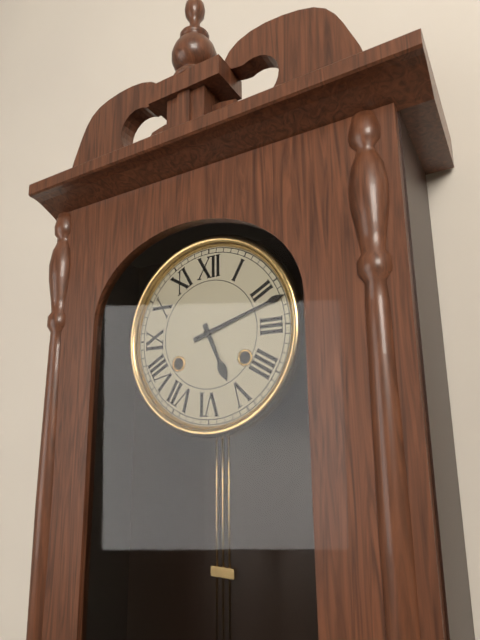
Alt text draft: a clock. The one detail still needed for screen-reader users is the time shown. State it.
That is 5:12
